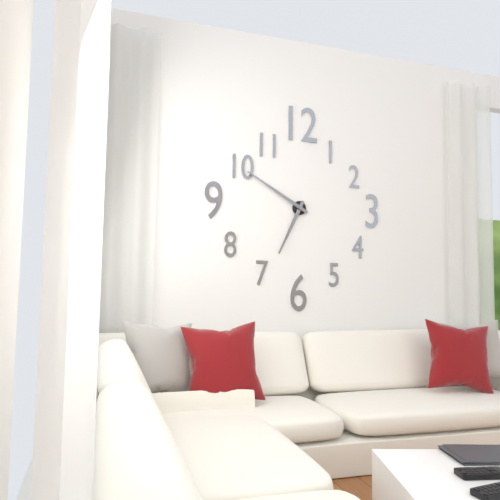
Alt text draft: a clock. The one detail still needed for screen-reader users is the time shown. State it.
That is 6:50
